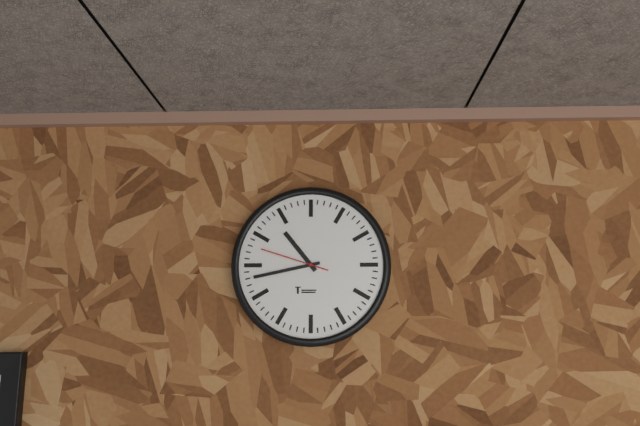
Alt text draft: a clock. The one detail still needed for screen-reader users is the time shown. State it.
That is 10:43:48
